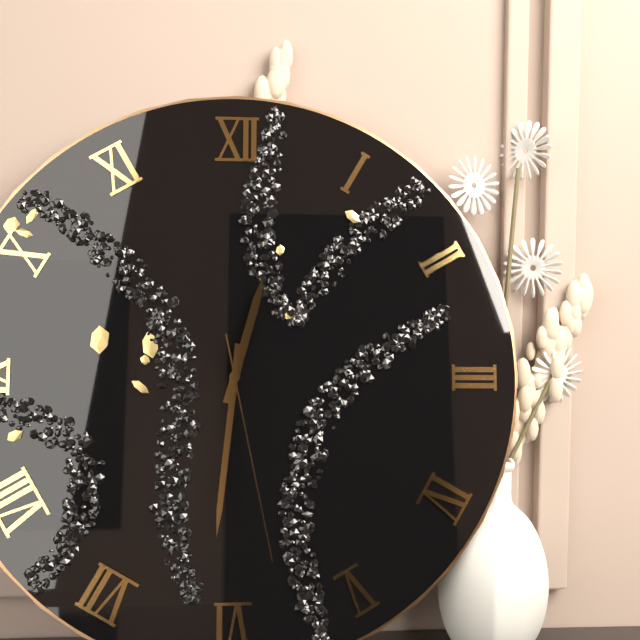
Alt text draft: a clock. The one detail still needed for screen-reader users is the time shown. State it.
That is 12:31:28
